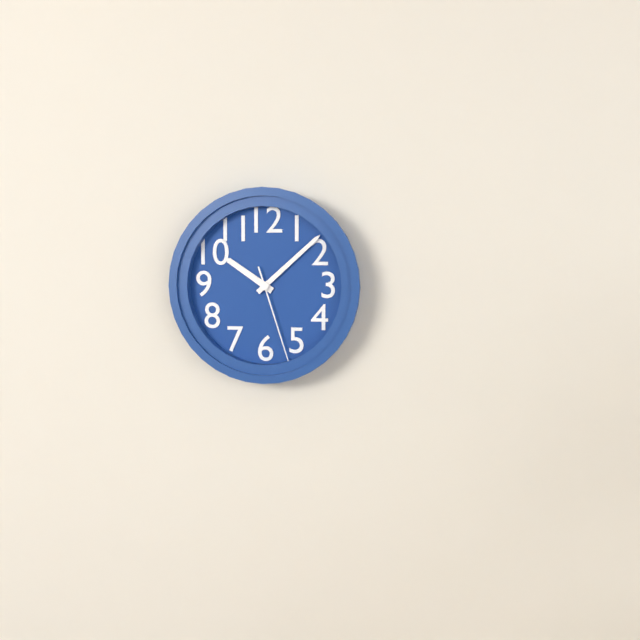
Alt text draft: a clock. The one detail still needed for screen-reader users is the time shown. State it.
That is 10:08:27
